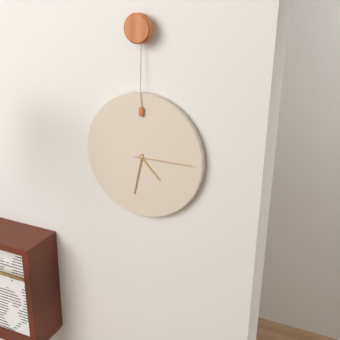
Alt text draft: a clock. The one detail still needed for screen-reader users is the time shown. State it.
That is 4:32:15
